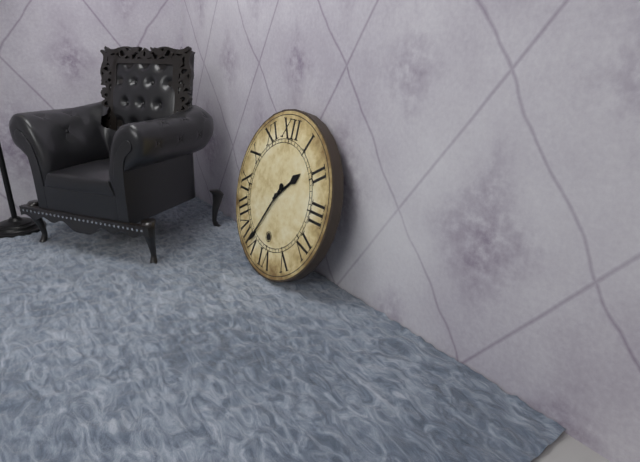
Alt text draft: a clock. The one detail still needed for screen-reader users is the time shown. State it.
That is 1:35
